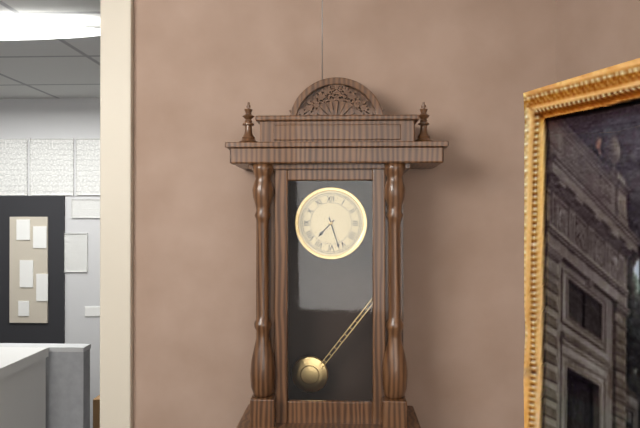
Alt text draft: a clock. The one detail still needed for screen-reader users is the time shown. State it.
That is 7:27
